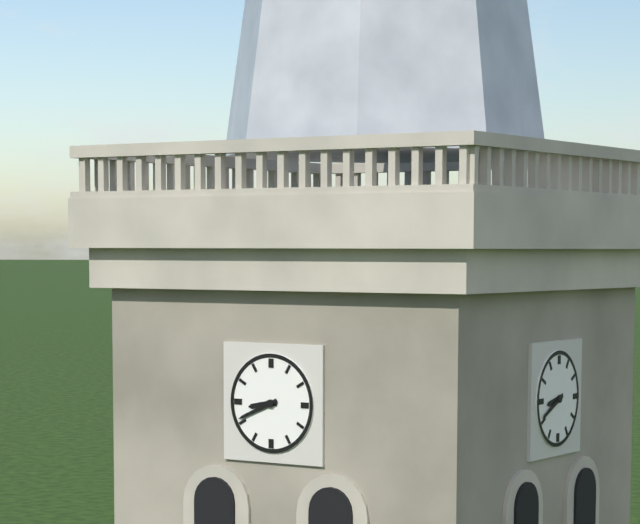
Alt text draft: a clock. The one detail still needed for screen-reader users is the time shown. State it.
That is 8:41
